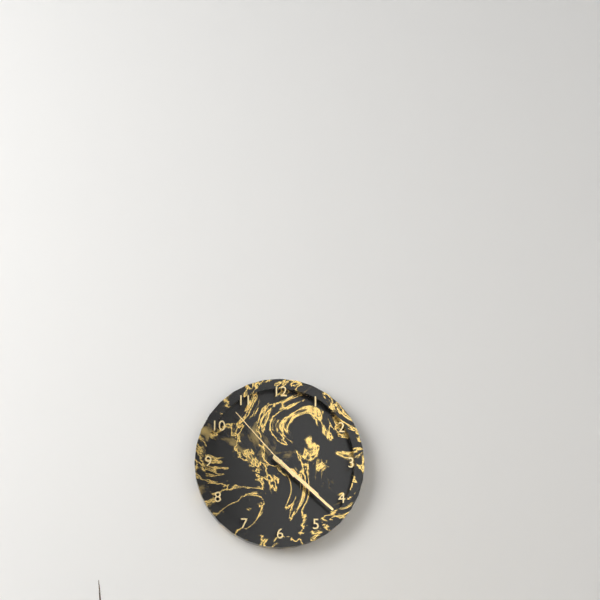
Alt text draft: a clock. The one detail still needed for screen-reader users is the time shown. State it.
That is 4:22:53
